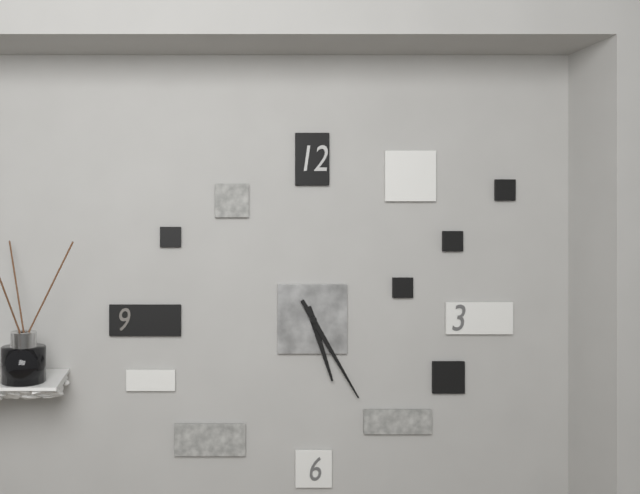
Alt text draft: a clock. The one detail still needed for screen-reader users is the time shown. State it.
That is 5:25
